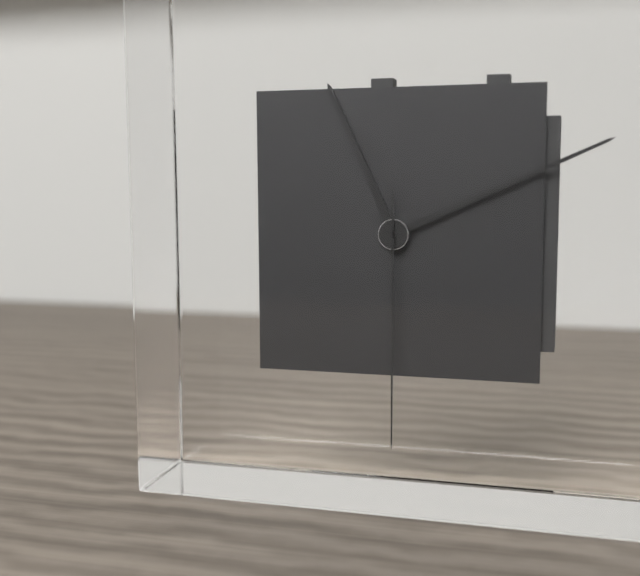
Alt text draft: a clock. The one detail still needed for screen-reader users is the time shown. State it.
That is 11:11:30
